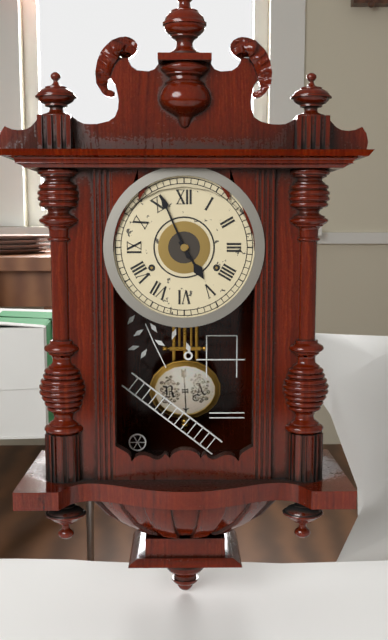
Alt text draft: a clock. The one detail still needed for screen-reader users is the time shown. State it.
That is 4:56
